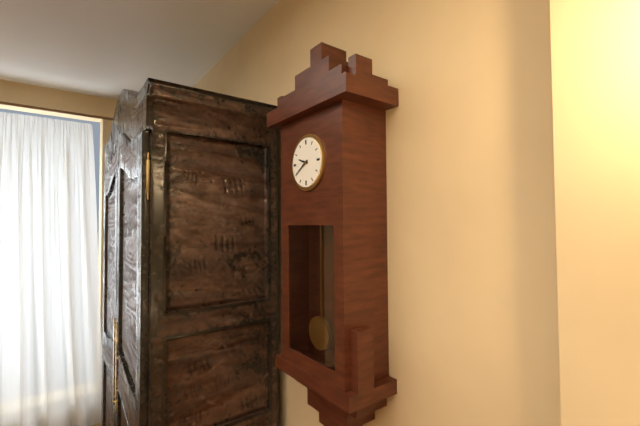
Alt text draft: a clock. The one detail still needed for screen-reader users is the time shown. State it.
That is 9:40
